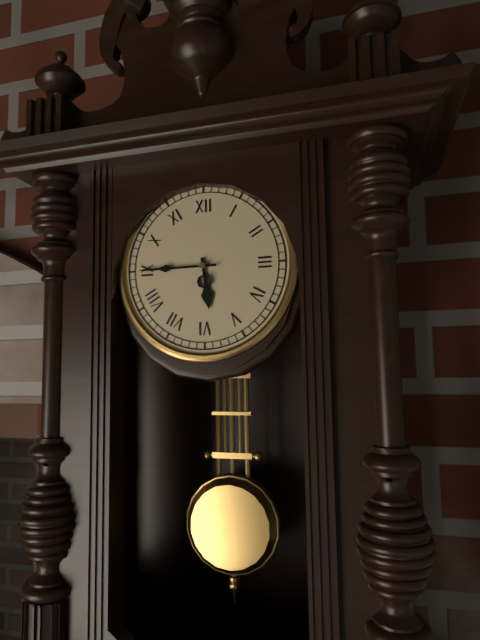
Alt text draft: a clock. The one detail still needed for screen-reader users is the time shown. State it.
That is 5:45
